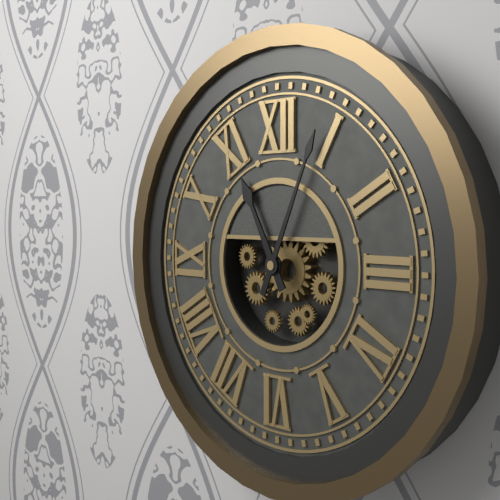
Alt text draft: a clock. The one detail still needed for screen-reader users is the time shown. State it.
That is 11:04
